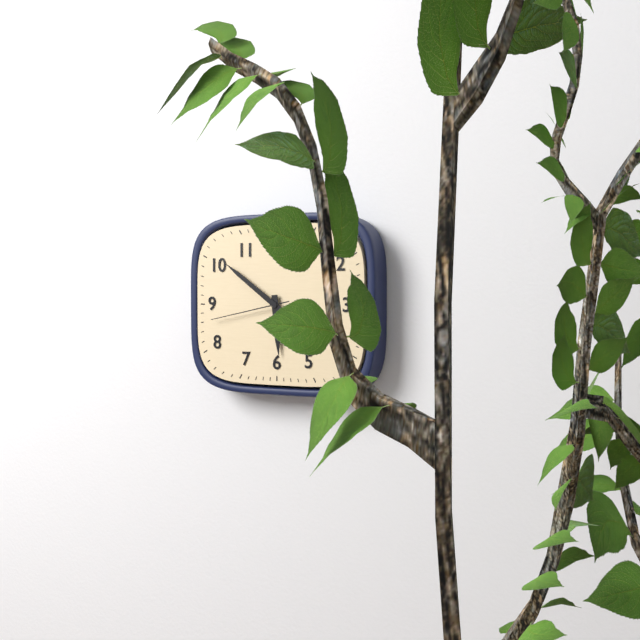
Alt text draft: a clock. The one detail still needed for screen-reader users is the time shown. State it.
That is 5:51:43
